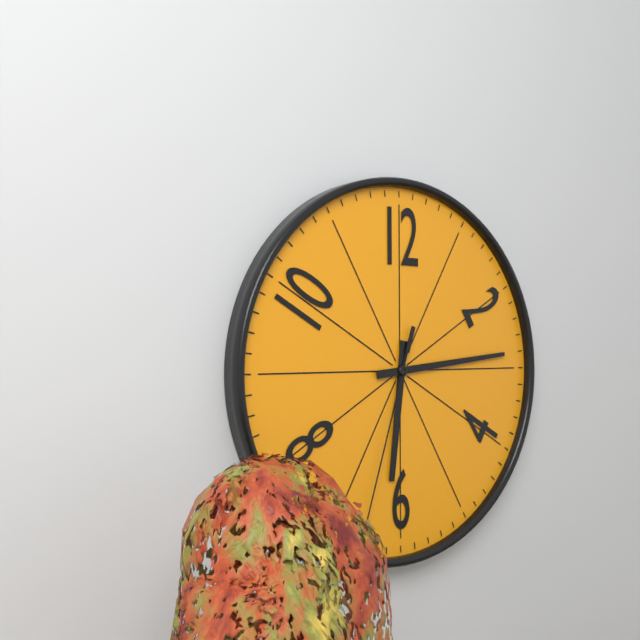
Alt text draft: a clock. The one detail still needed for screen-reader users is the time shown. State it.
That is 6:14:33
